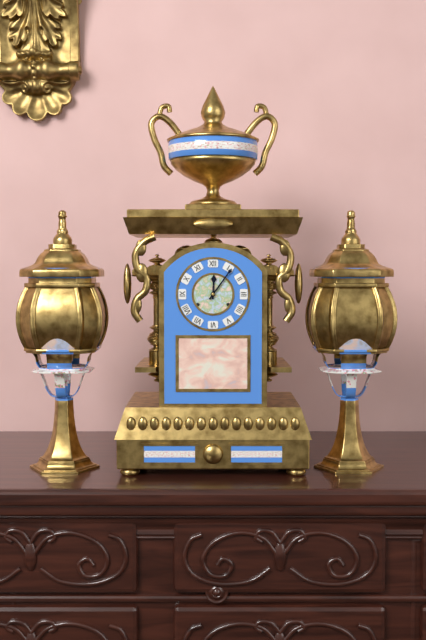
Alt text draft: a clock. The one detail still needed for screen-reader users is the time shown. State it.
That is 12:06
